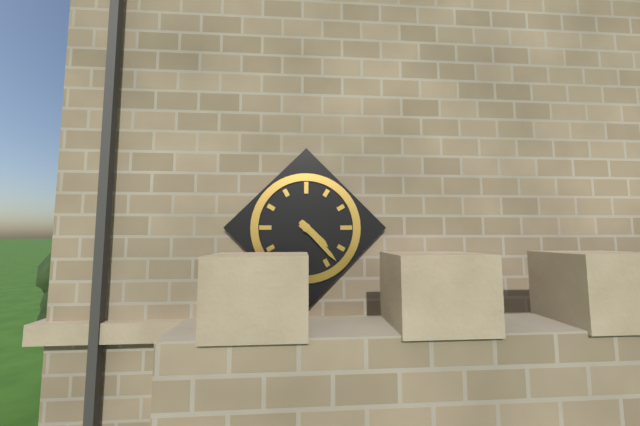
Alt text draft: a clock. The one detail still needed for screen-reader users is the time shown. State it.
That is 4:23
